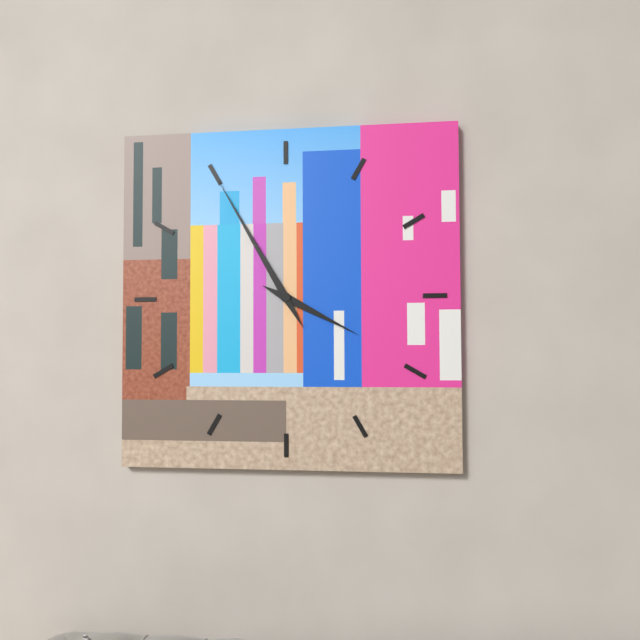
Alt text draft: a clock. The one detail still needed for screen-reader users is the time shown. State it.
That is 3:55
